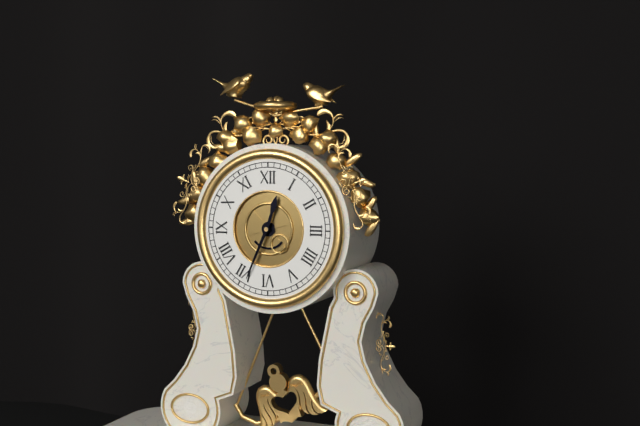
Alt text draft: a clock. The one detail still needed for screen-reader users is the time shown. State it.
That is 12:34
